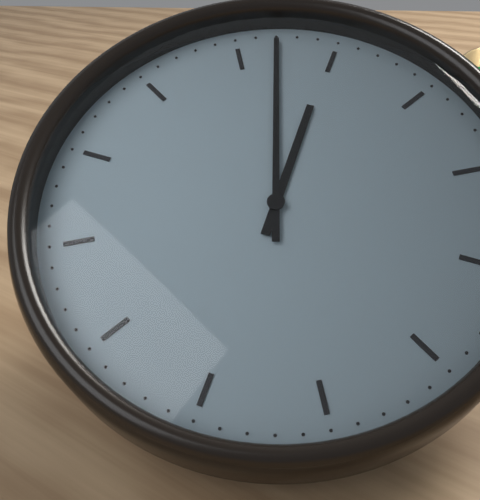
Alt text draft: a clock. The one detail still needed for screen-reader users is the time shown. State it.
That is 11:57
